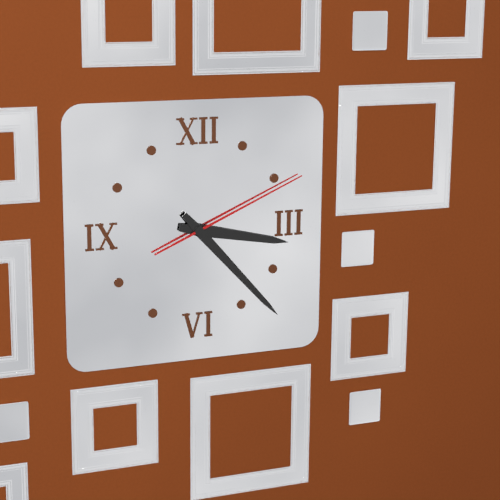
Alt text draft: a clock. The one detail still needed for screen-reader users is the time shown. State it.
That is 3:23:11
